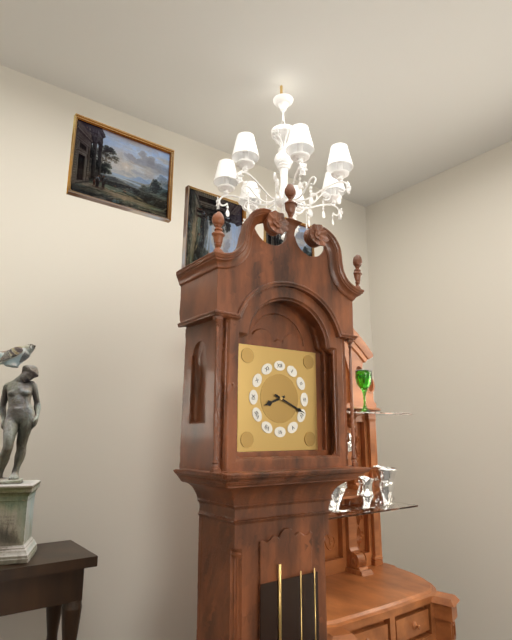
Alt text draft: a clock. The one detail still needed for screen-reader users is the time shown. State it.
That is 8:19
